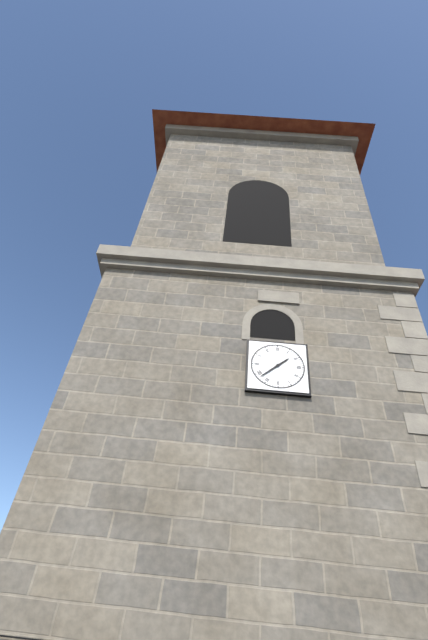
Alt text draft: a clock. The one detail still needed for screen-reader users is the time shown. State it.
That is 1:38
